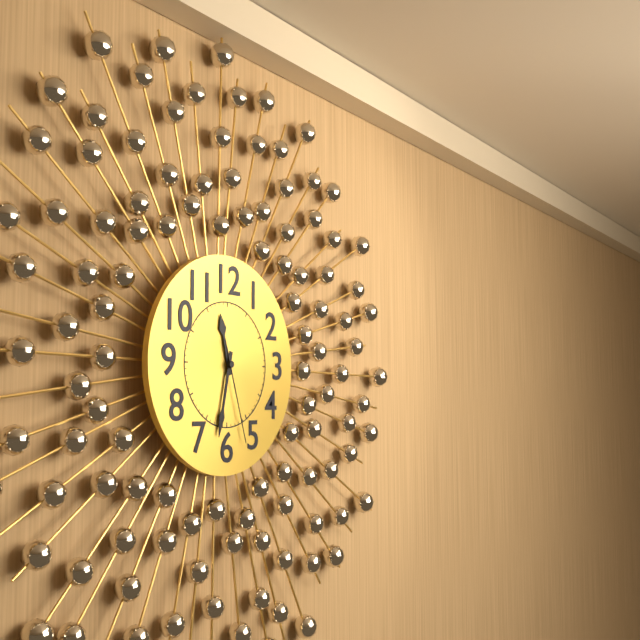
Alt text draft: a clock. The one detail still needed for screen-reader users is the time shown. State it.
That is 11:32:27
